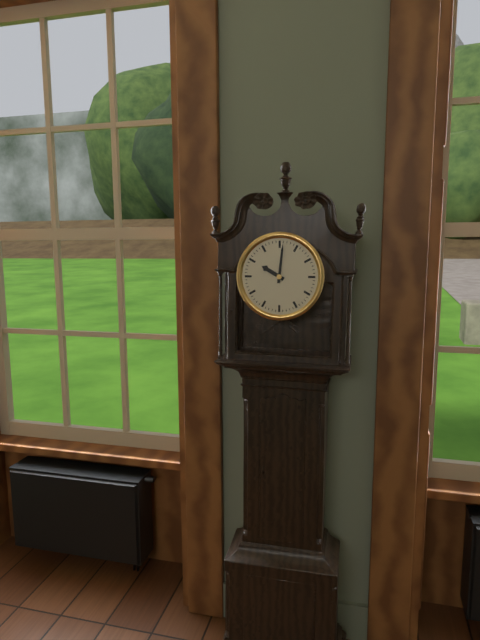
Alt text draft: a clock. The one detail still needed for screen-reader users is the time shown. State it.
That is 10:01
